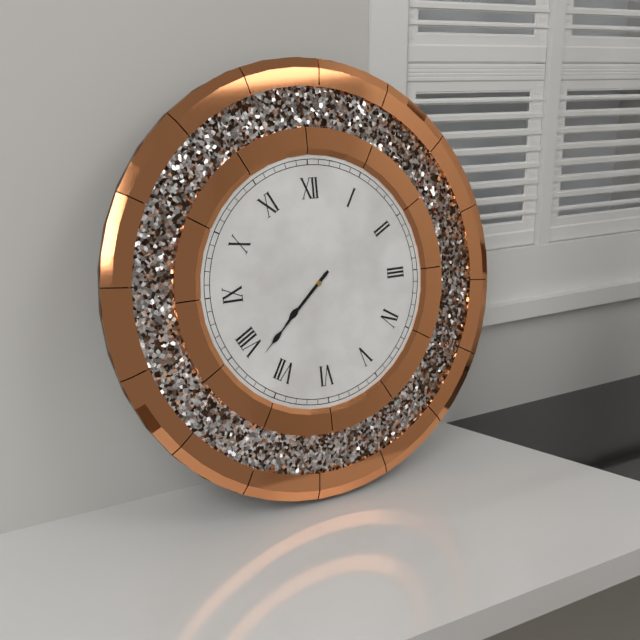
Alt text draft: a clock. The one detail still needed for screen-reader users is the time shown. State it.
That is 7:38
